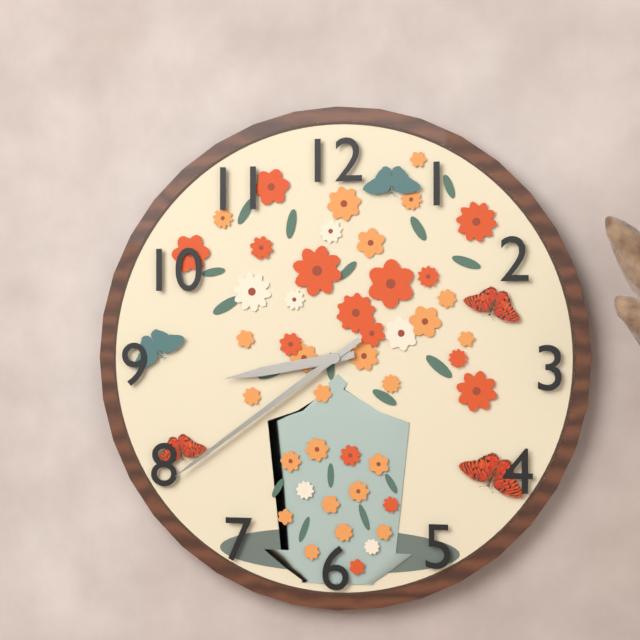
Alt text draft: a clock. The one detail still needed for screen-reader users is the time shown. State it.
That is 8:39
